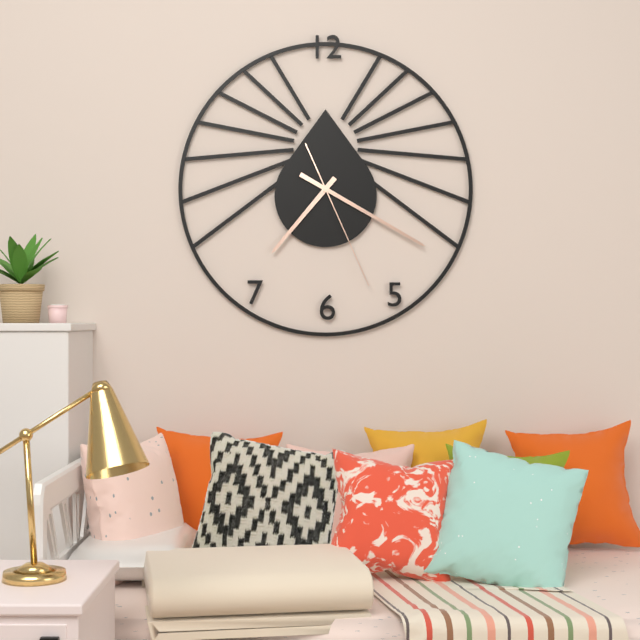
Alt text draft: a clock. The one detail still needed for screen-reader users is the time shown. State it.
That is 7:20:26
